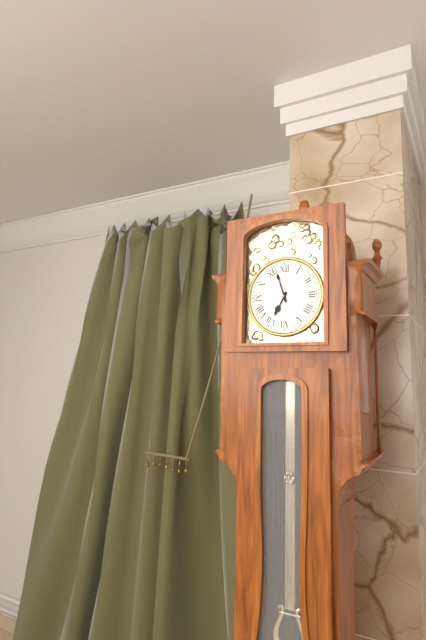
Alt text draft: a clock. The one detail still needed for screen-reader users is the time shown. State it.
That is 6:57
